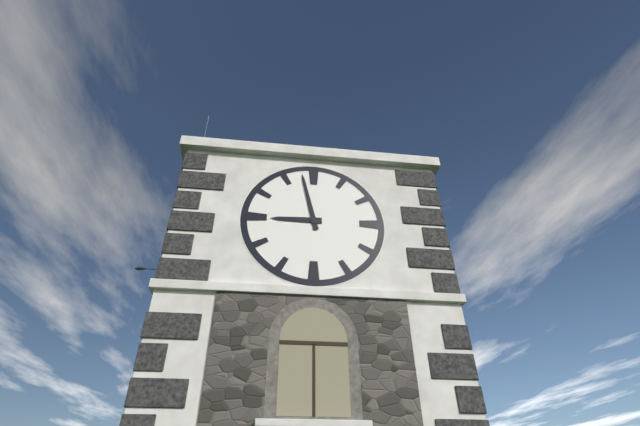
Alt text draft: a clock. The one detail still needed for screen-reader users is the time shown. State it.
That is 8:58
